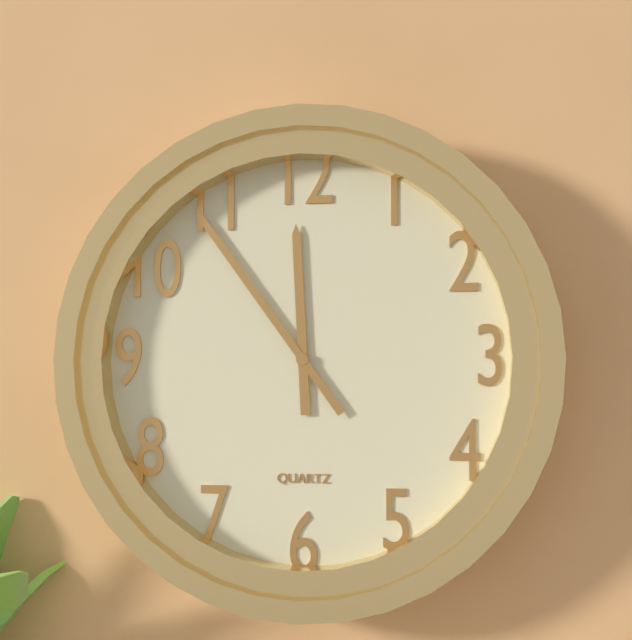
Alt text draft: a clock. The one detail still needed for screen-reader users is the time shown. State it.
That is 11:54
